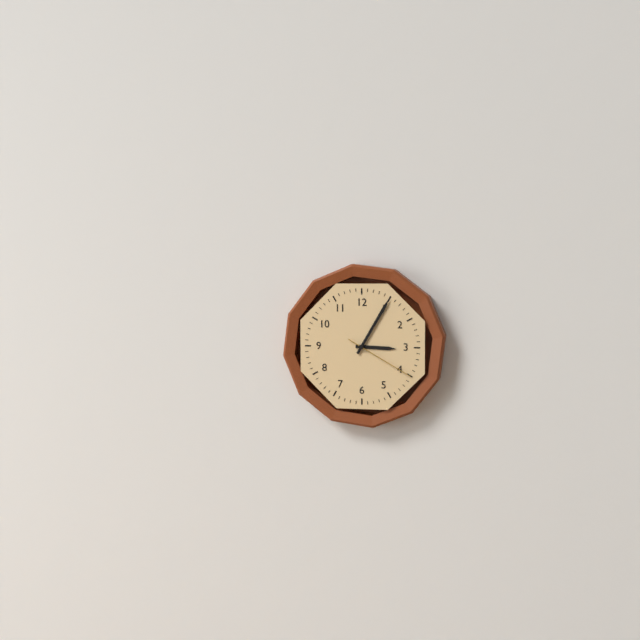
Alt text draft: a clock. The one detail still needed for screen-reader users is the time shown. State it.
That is 3:05:20
